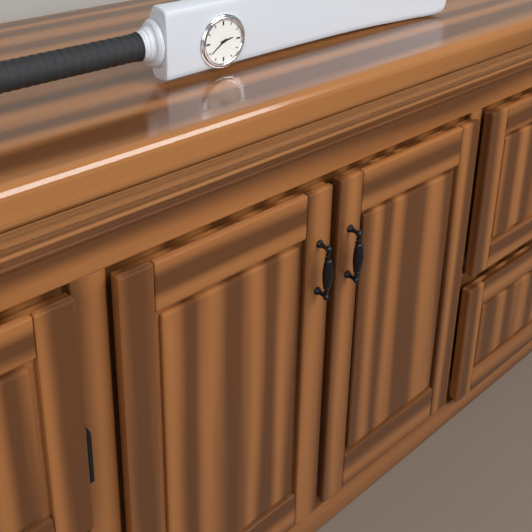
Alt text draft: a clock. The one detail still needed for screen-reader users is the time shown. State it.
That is 2:39
